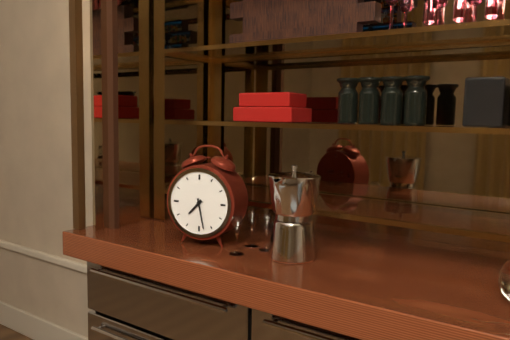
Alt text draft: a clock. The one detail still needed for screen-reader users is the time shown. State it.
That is 7:28
